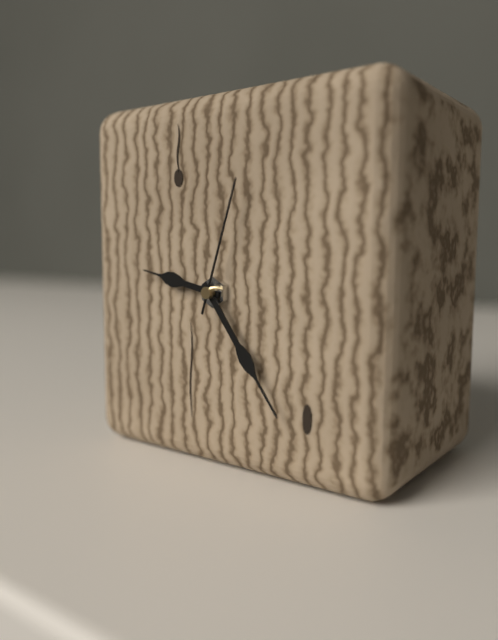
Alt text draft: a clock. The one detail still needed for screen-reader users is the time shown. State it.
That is 9:24:03
